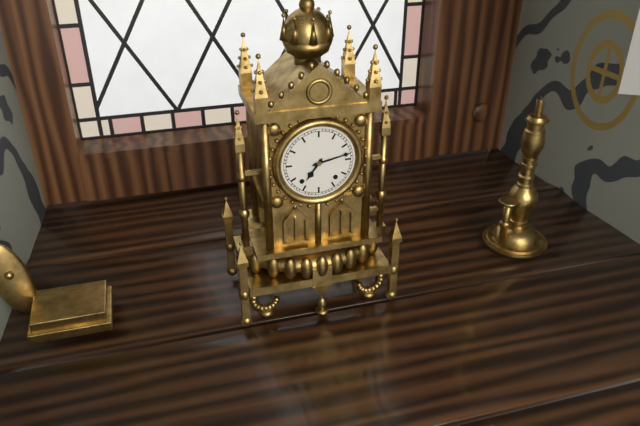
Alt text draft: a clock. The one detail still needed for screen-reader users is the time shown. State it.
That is 7:13
